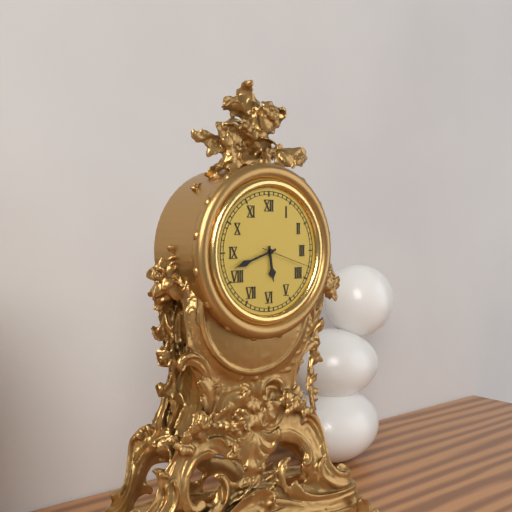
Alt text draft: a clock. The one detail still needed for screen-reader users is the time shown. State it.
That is 5:42:18
